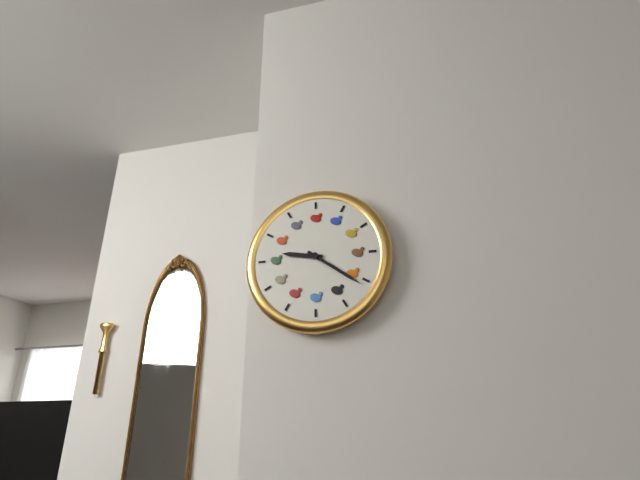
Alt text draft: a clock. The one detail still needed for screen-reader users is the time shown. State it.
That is 9:21
